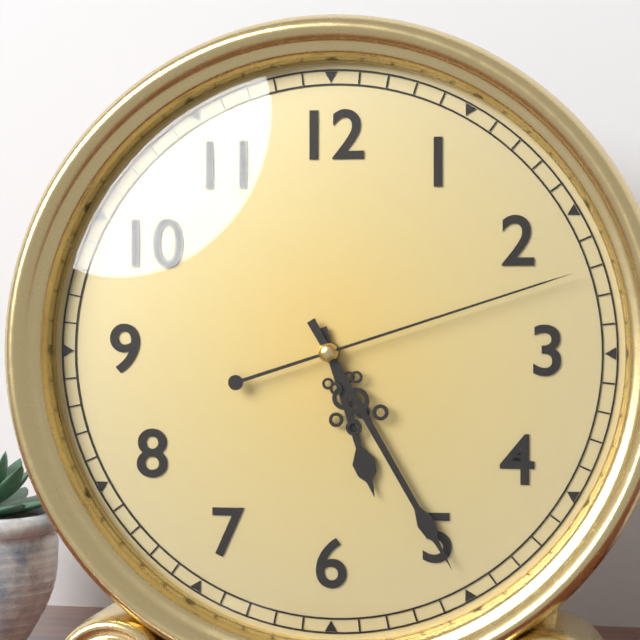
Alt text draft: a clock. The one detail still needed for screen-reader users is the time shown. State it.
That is 5:25:12
